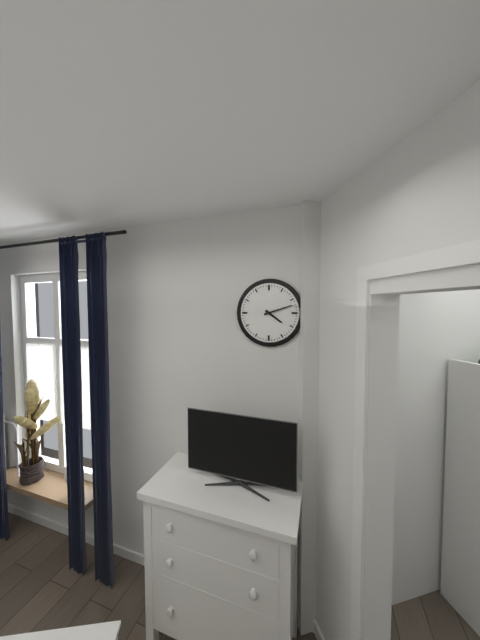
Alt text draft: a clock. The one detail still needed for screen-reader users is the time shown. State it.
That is 4:12
